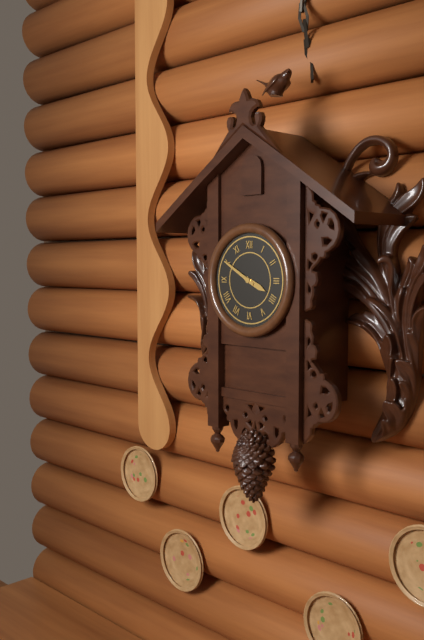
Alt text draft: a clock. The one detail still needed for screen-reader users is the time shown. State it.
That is 3:50
